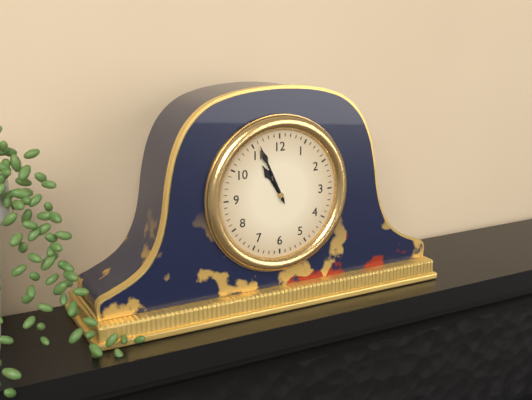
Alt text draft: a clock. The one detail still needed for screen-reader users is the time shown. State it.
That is 10:56
